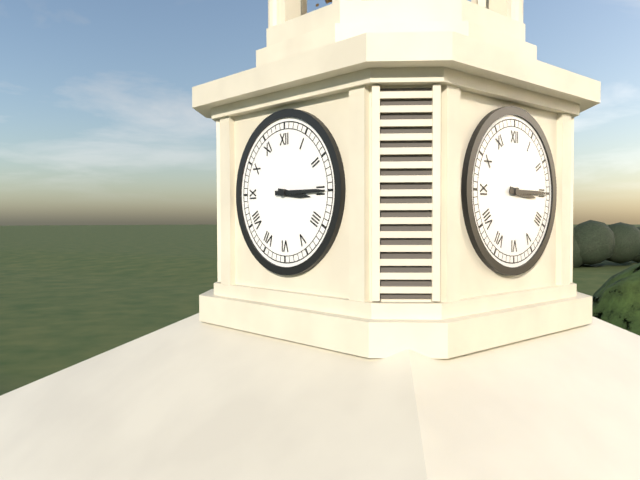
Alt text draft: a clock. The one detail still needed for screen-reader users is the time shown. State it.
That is 3:15
